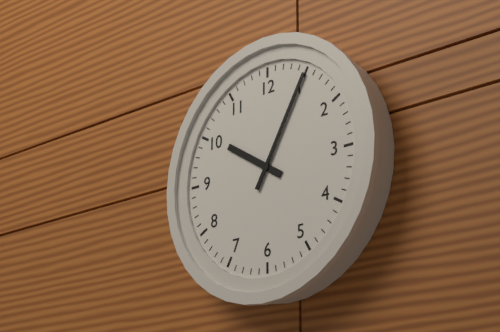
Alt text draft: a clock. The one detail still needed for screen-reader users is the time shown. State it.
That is 10:05
